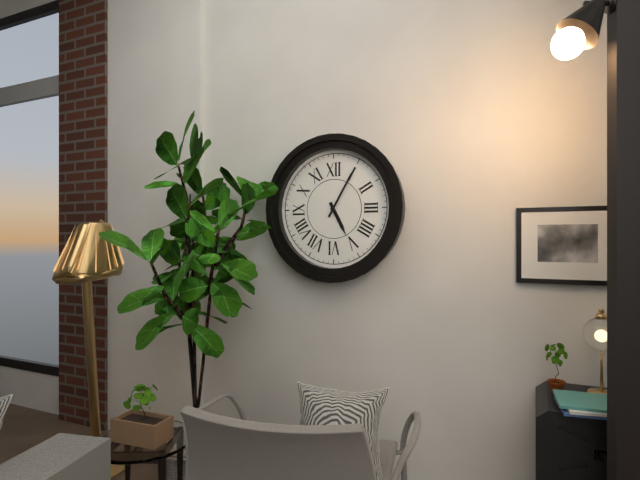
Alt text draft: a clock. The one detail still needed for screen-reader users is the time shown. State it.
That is 5:05
